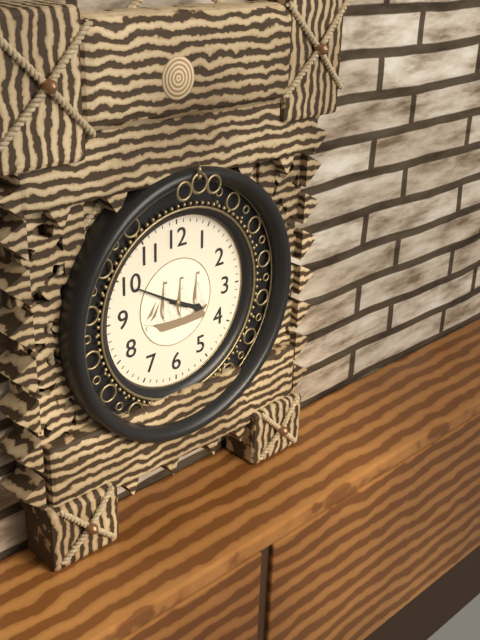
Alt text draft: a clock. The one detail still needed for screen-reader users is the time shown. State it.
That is 3:50
